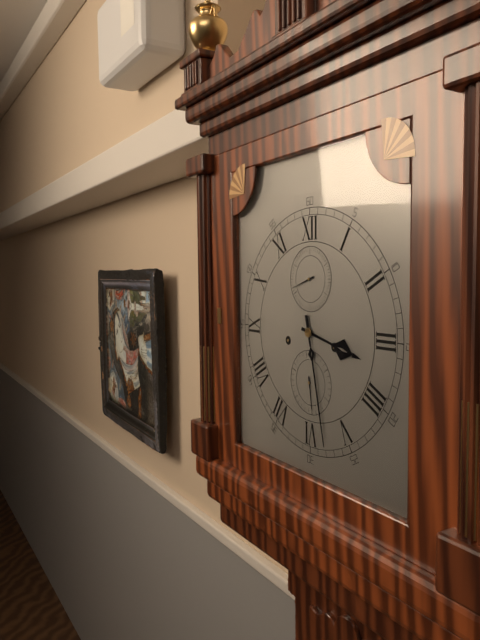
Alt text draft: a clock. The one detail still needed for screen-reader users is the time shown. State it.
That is 3:28
